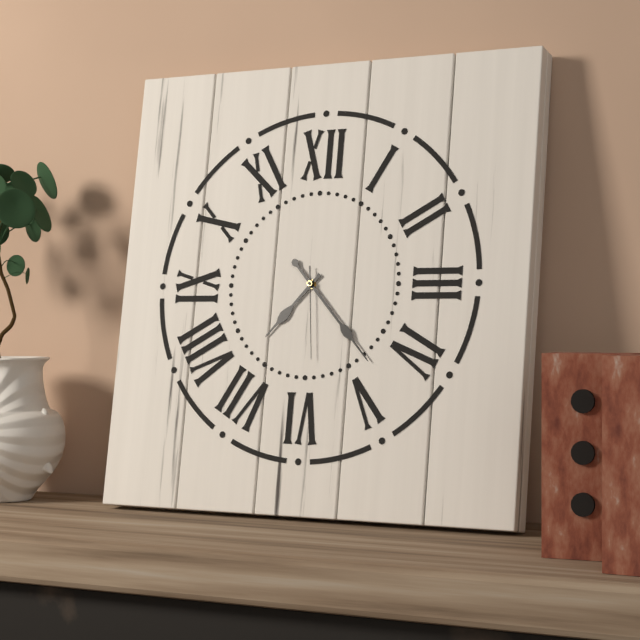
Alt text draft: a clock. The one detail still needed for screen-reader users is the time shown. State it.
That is 7:23:29
